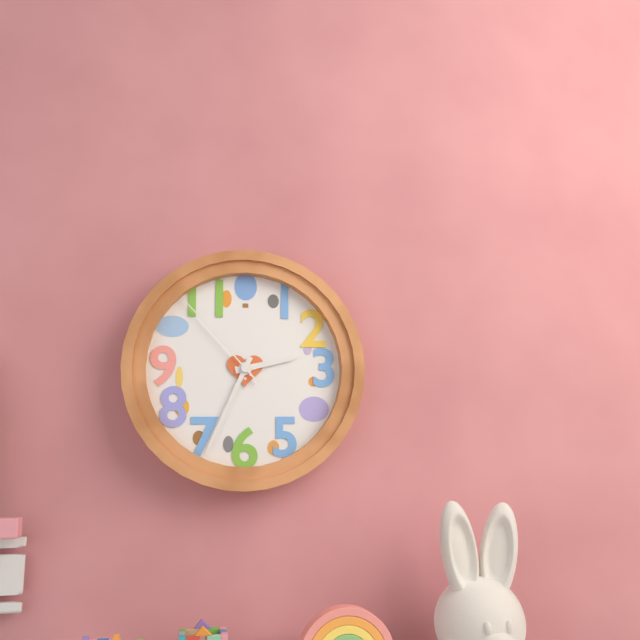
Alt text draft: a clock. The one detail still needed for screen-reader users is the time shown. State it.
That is 2:34:53
